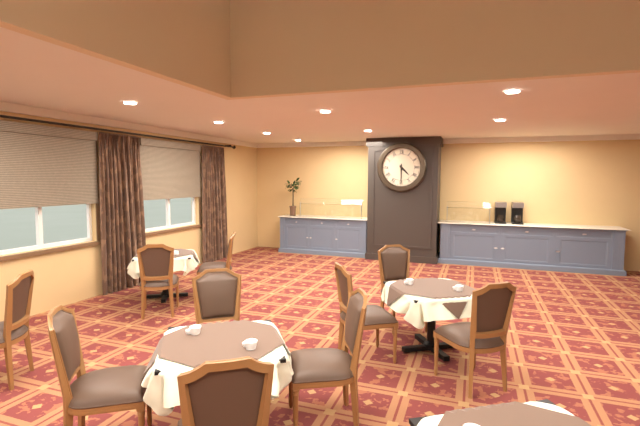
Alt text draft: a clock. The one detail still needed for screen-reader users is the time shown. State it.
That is 4:30
